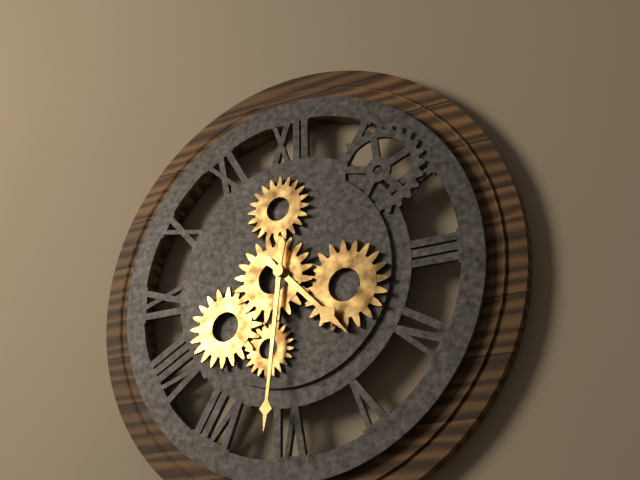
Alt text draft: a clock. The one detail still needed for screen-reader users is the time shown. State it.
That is 4:31
